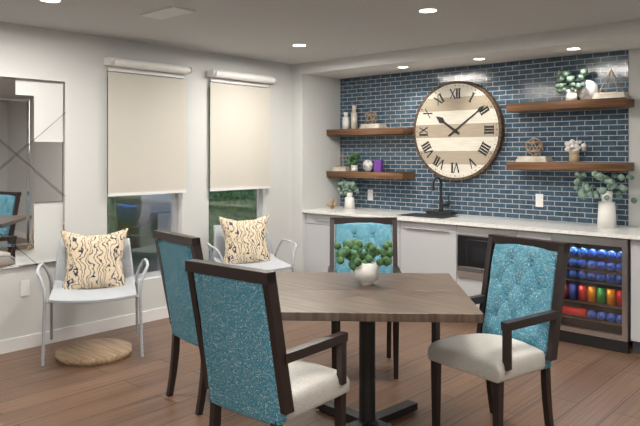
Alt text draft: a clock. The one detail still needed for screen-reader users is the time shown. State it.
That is 10:09
